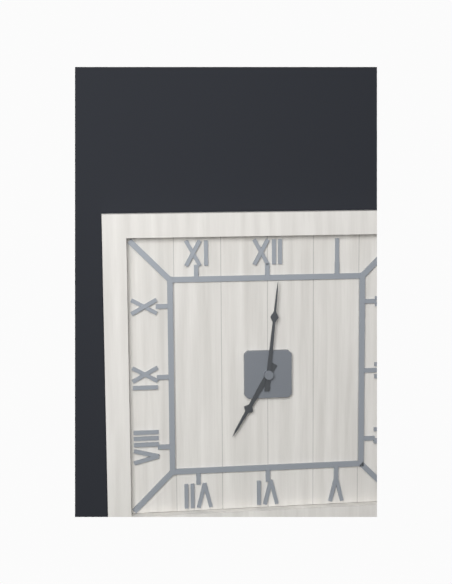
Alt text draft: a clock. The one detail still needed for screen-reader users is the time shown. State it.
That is 7:01
